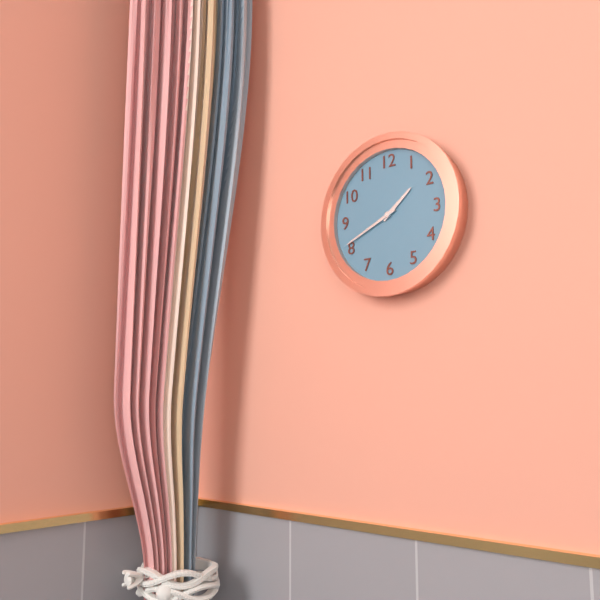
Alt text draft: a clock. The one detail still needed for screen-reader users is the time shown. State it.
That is 1:41
